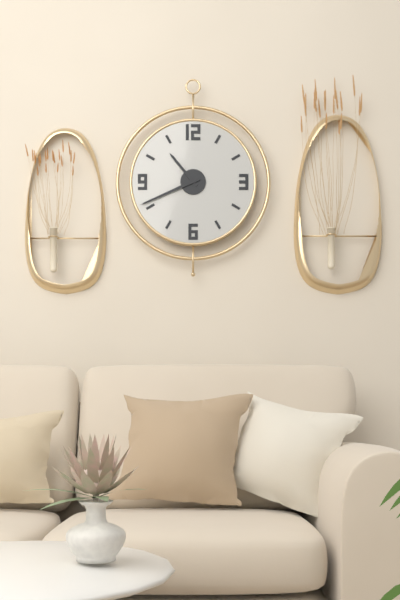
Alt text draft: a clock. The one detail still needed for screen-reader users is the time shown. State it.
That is 10:41
